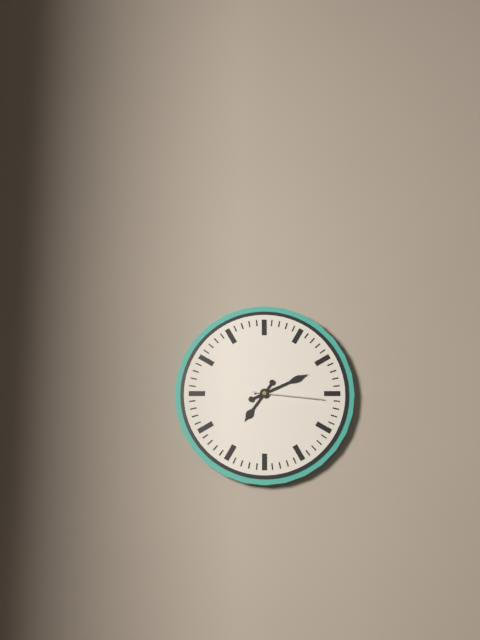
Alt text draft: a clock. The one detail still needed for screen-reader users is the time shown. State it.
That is 7:11:16
